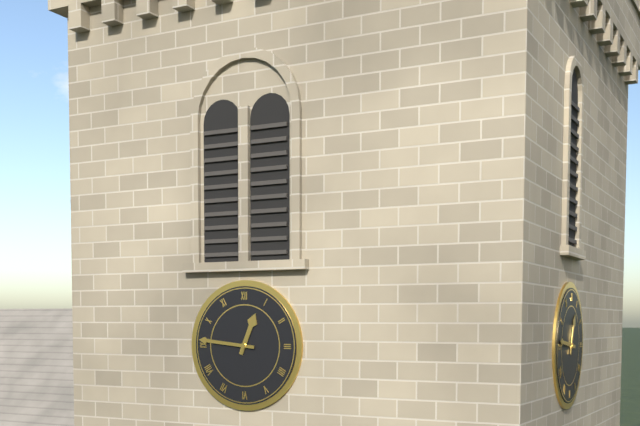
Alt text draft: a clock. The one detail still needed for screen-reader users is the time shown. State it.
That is 12:46
